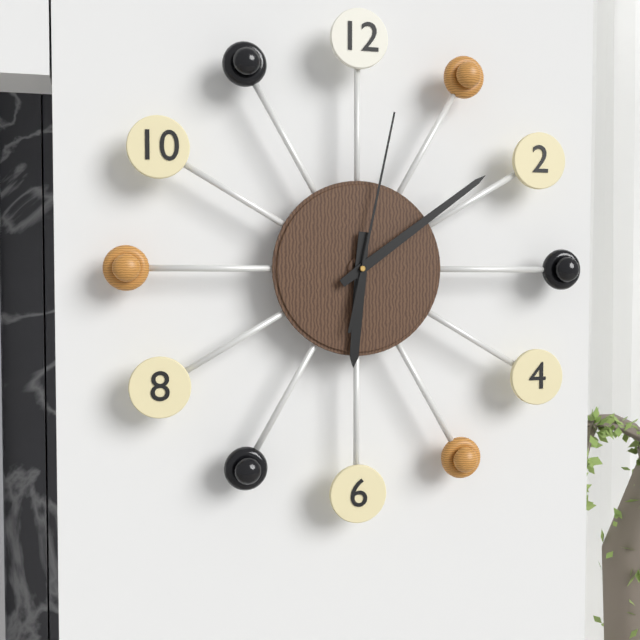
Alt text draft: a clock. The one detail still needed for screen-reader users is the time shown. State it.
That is 6:09:02
